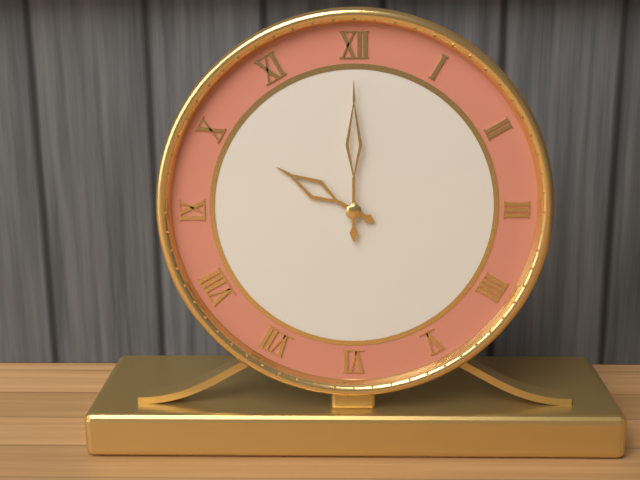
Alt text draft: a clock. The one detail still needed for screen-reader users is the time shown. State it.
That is 10:00
